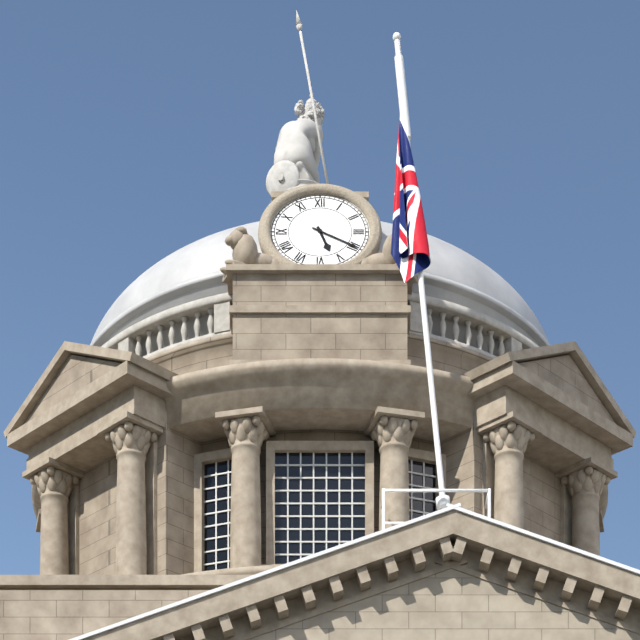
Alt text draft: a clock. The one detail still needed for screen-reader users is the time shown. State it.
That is 5:20
